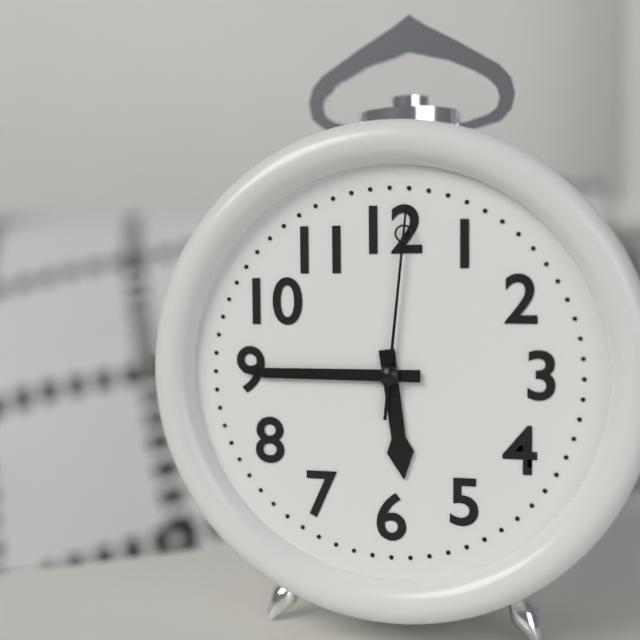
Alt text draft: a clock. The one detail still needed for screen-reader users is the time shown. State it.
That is 5:45:01
